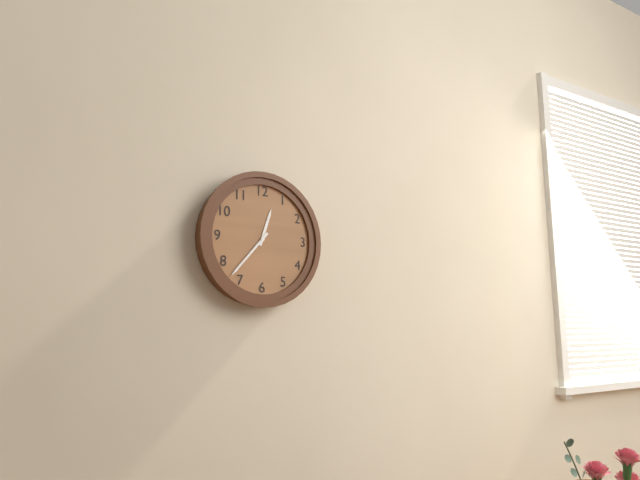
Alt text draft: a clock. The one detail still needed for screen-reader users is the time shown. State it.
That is 12:37
